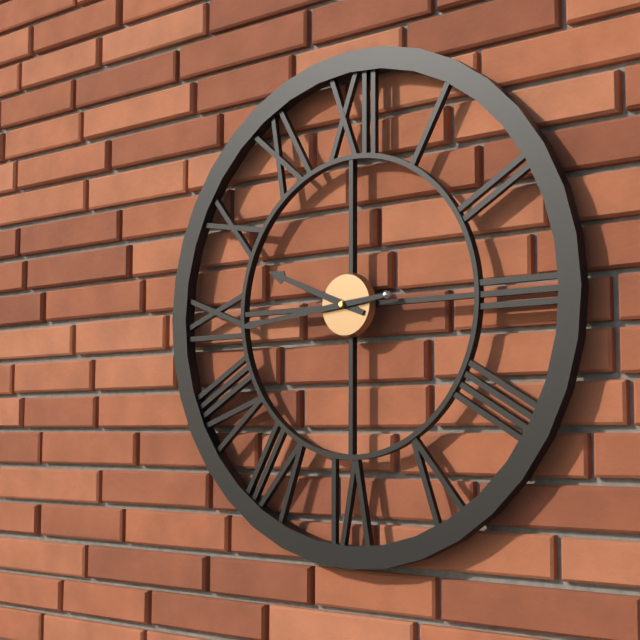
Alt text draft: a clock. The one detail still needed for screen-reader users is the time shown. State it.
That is 9:44
